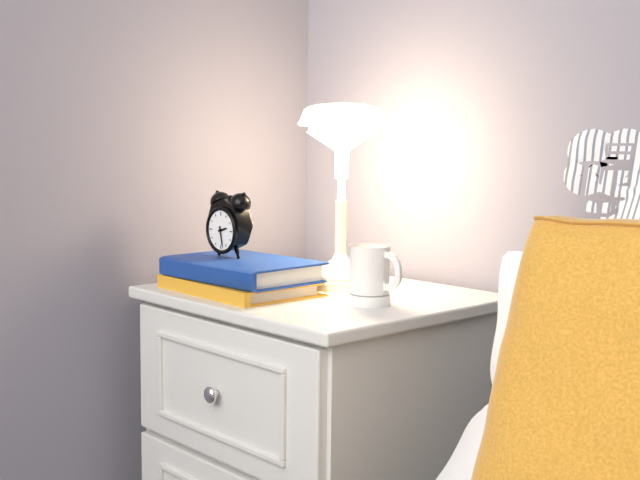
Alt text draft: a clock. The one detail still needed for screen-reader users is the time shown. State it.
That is 2:28
